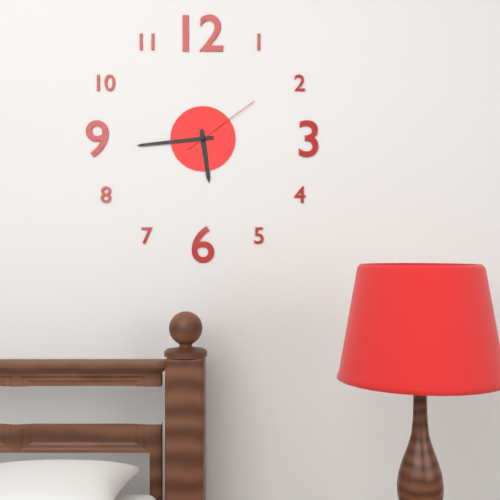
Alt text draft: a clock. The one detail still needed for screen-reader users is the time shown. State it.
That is 5:44:09
